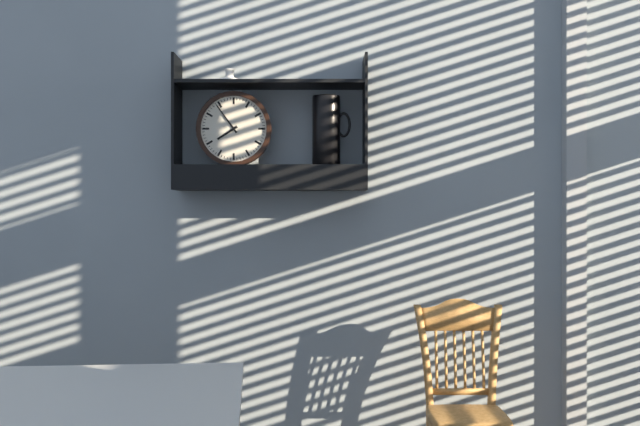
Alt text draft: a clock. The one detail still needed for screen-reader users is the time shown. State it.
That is 7:54
